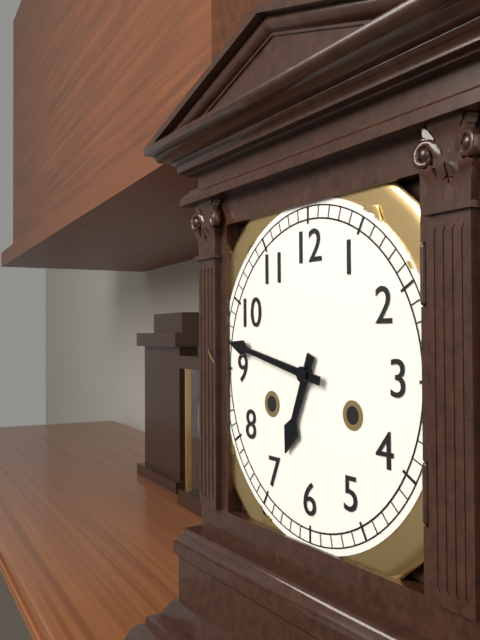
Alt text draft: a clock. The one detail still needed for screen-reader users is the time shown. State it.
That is 6:47
